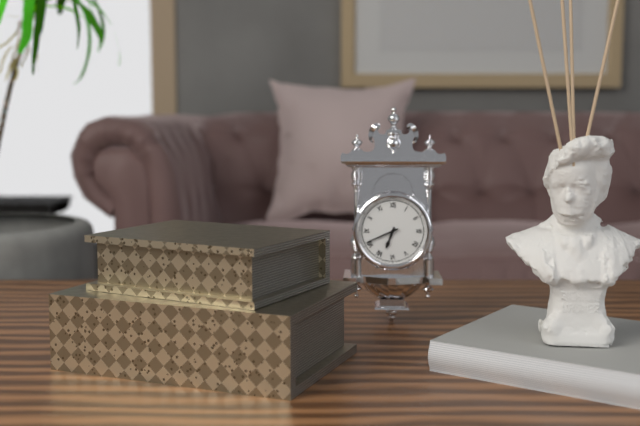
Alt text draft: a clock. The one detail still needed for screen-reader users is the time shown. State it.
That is 6:41
